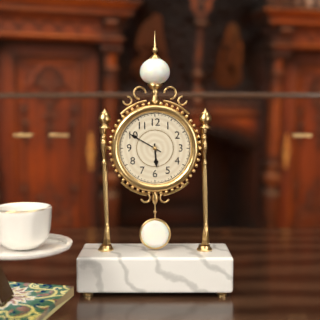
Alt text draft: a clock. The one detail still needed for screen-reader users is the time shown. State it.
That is 5:50
